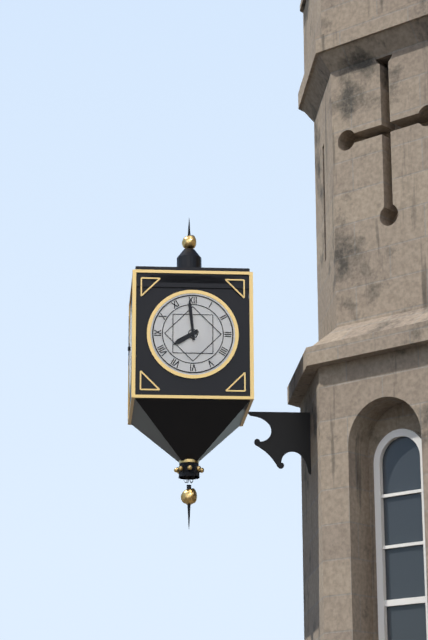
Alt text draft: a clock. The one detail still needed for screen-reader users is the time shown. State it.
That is 7:59
